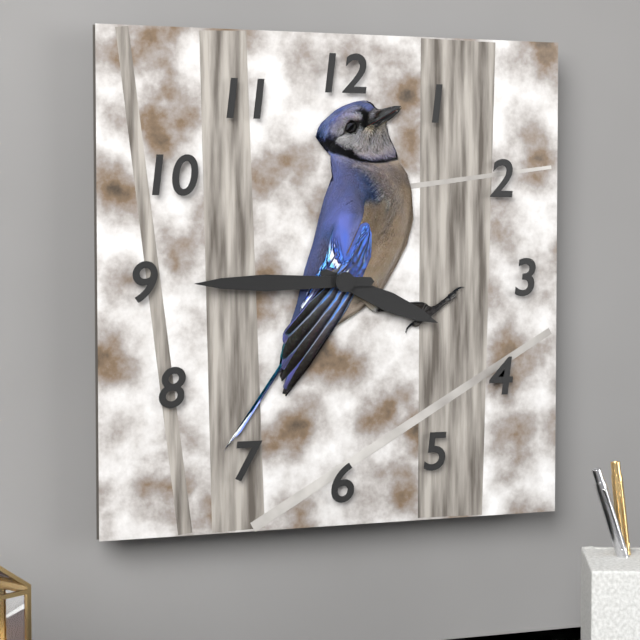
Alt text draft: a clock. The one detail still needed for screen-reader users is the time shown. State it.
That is 3:45
